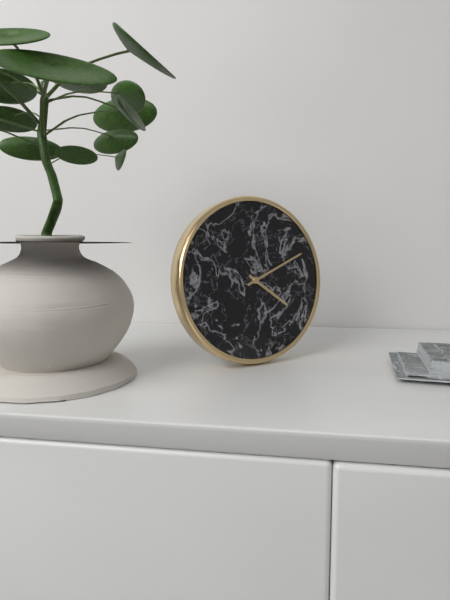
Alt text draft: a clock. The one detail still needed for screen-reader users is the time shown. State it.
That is 4:11
